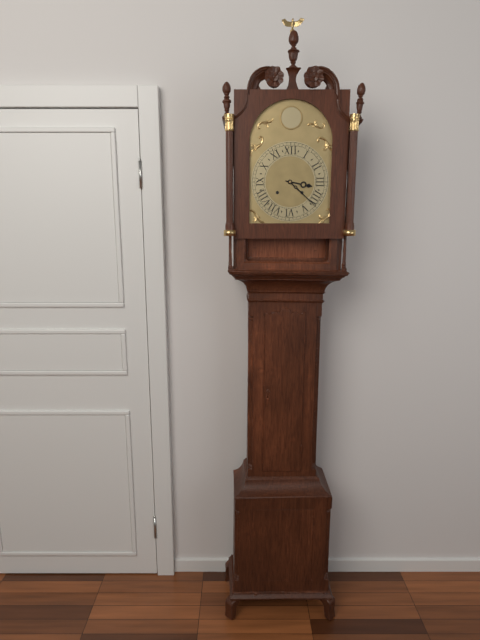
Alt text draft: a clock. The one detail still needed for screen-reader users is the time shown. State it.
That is 3:22
